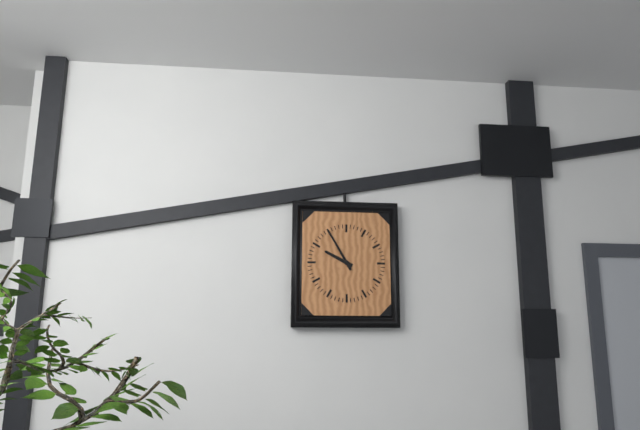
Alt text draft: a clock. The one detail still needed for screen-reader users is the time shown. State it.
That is 9:55
